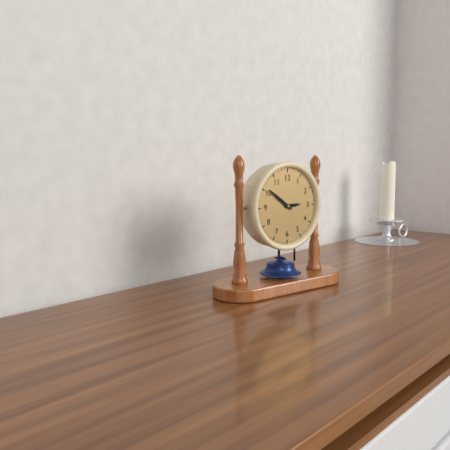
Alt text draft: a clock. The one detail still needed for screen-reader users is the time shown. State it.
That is 2:51
